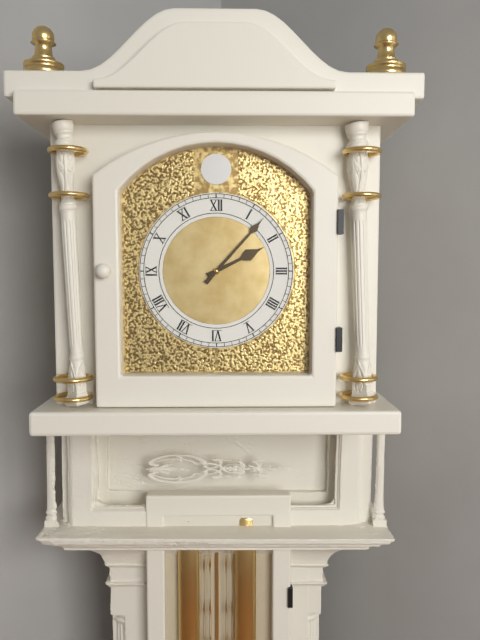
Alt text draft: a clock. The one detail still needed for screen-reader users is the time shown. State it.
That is 2:07
